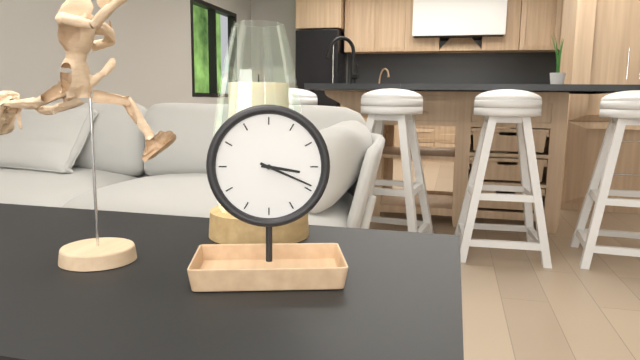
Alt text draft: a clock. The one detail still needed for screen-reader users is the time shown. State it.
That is 3:19
